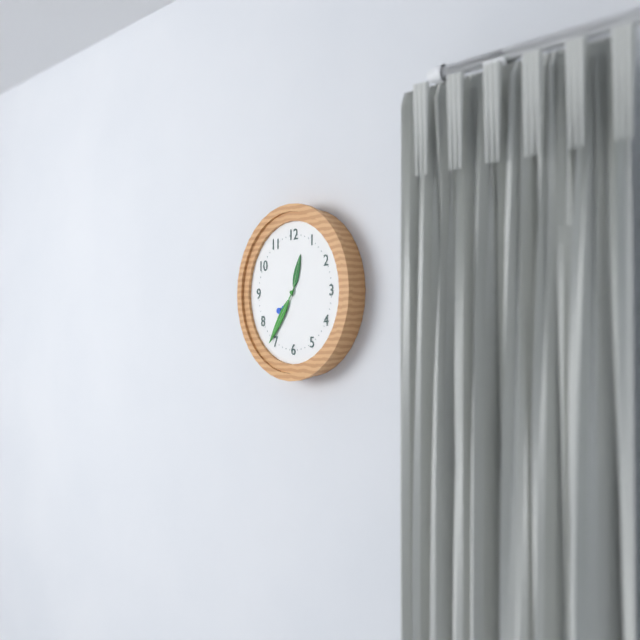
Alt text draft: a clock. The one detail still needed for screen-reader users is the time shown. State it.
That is 12:36
